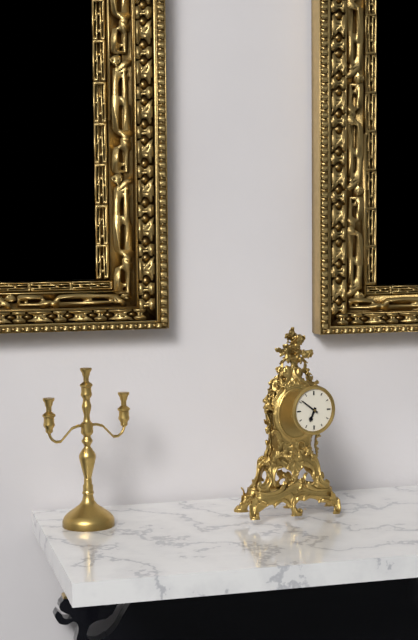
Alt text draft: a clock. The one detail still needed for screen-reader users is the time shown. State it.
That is 6:51
